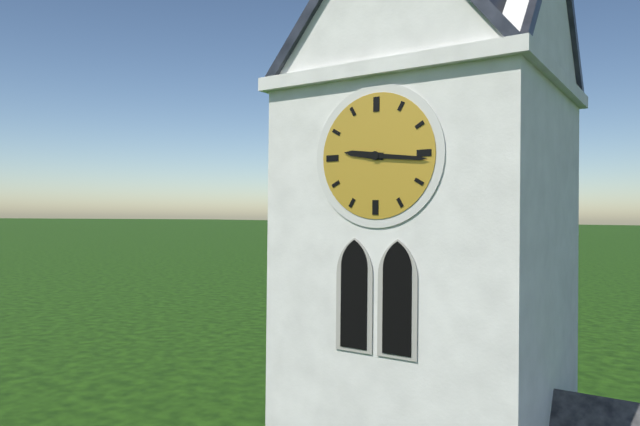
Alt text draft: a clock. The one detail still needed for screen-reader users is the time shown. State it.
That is 9:16
